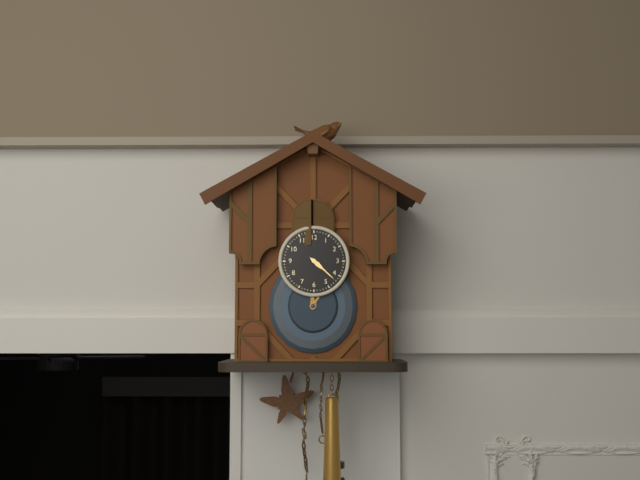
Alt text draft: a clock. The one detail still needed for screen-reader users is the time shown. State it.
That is 4:22
